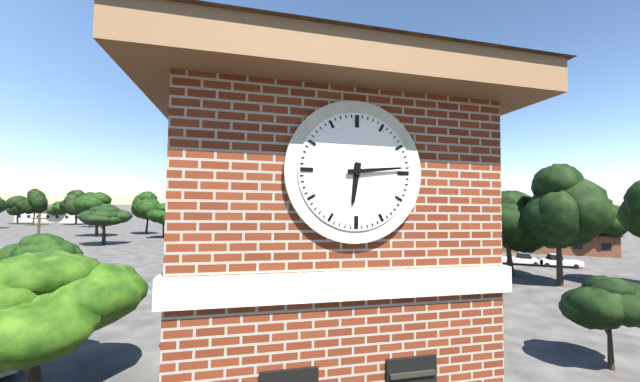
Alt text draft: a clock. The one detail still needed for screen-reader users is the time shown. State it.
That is 6:14
